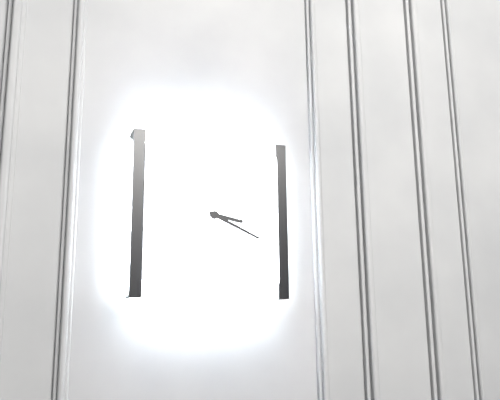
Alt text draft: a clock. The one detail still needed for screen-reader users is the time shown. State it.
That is 3:19
